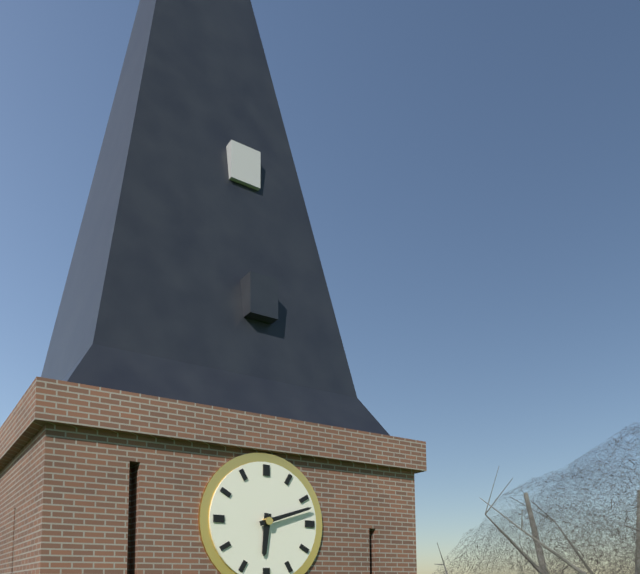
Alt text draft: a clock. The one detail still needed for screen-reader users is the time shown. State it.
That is 6:12
